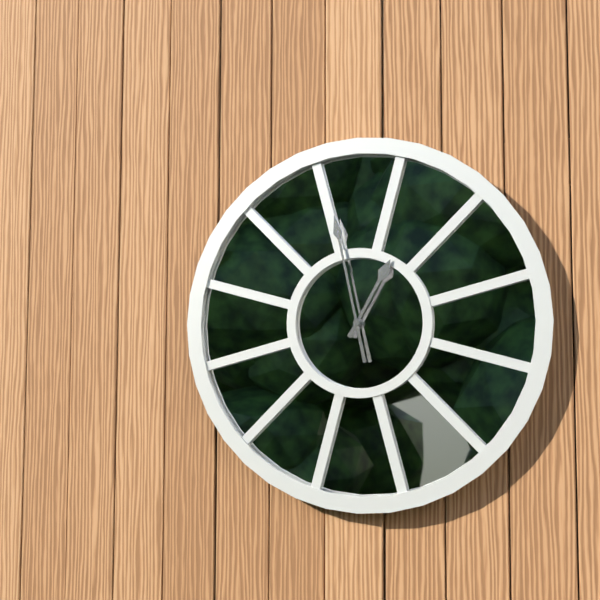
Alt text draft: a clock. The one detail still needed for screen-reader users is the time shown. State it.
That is 12:58
